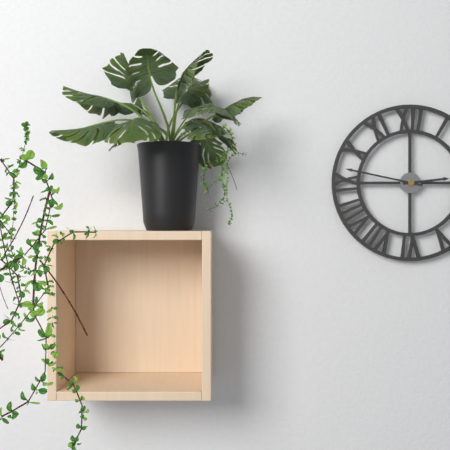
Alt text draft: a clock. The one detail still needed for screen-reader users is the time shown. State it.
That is 2:47
